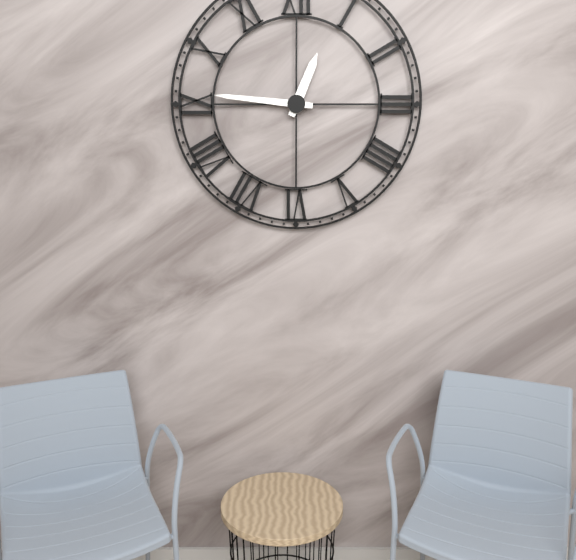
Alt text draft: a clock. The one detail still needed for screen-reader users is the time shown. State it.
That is 12:46
